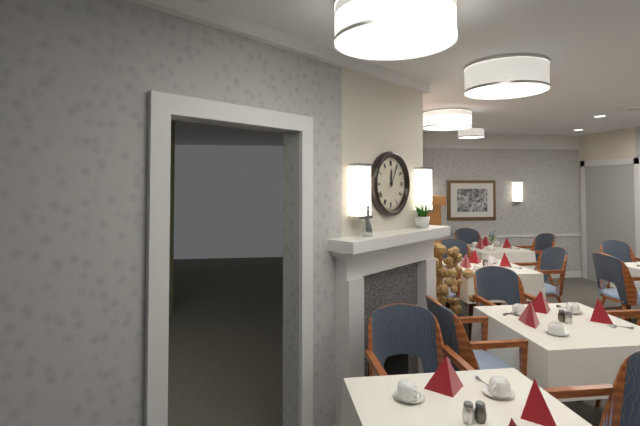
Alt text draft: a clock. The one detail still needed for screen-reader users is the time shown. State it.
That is 12:05
